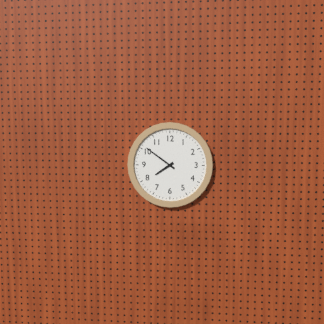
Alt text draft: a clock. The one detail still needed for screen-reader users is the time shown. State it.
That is 7:51
